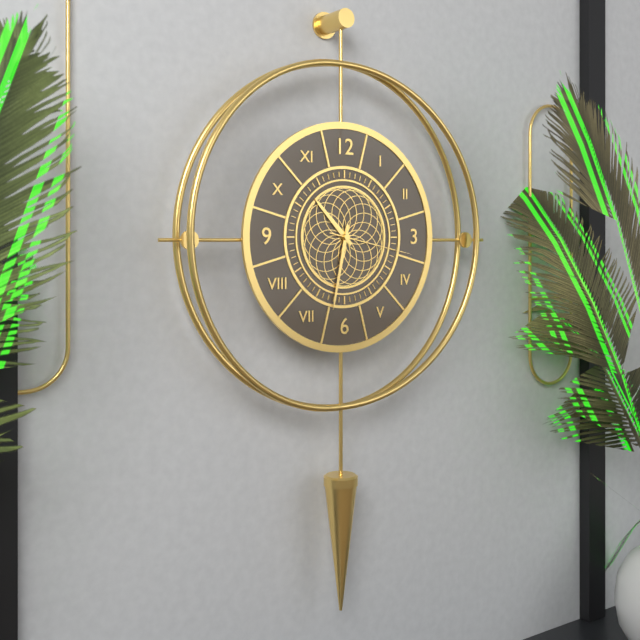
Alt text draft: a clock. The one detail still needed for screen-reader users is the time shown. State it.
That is 10:32:17
